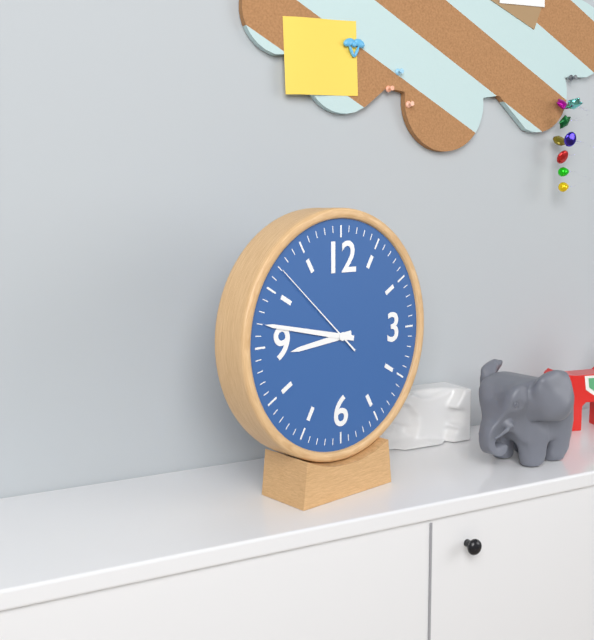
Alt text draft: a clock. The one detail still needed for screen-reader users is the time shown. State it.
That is 8:47:52
